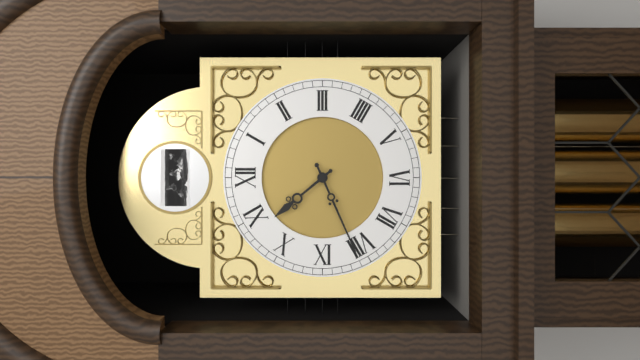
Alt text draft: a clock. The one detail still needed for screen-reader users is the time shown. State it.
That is 10:41
